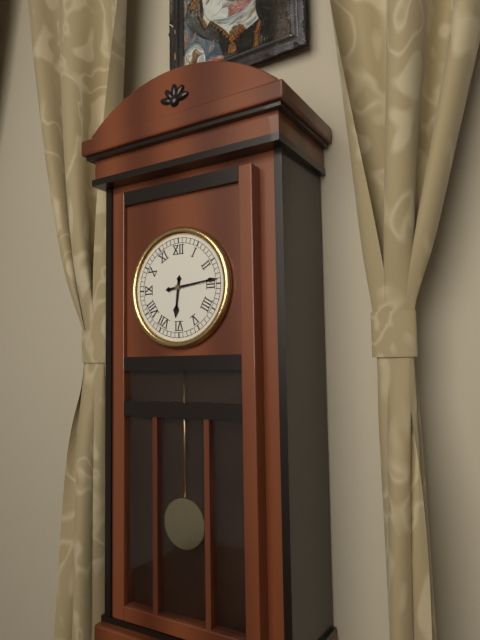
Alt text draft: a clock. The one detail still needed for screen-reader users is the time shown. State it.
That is 6:14
